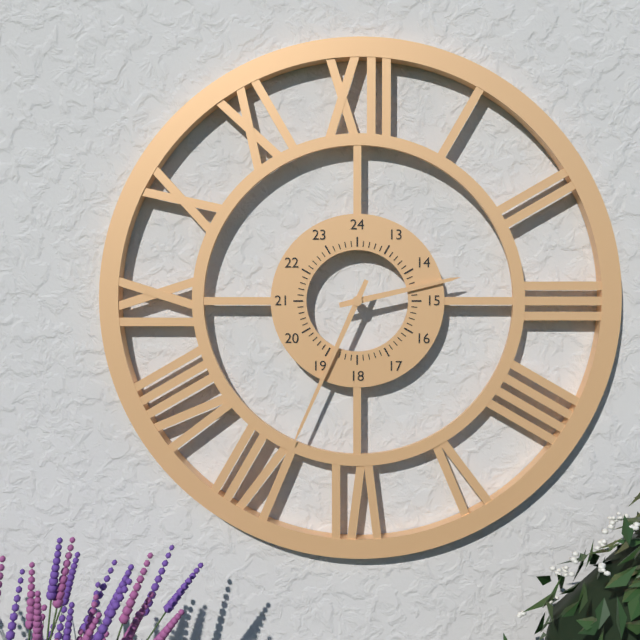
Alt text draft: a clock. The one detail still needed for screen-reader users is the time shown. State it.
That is 2:34
